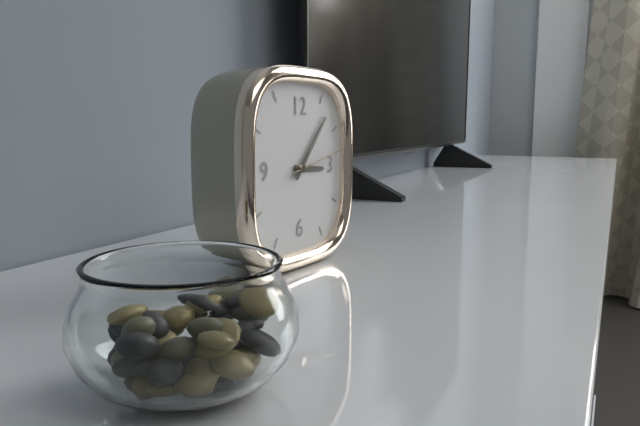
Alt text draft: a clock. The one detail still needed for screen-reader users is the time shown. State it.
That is 3:07:13
